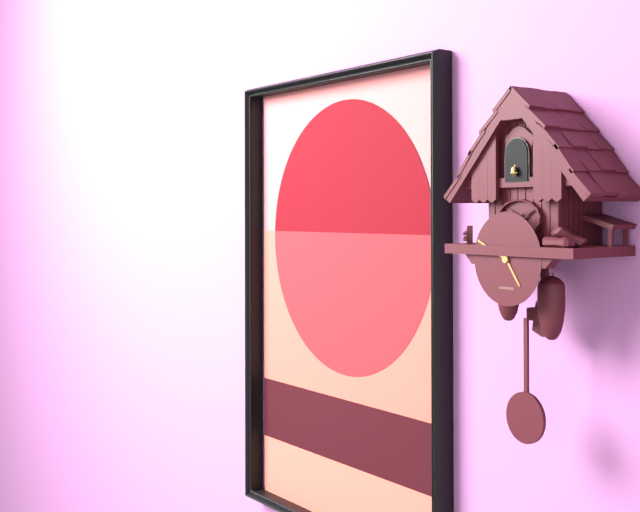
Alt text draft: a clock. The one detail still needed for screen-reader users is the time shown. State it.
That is 4:49
